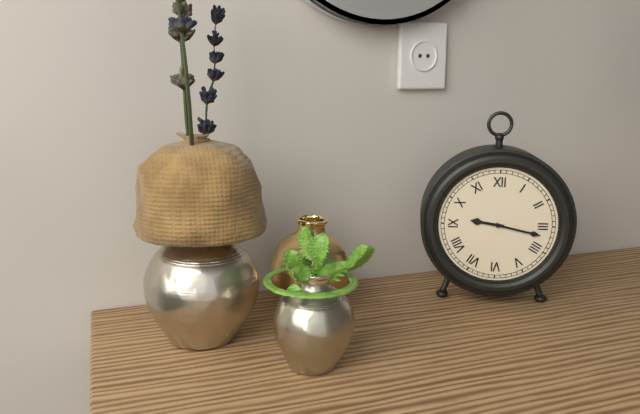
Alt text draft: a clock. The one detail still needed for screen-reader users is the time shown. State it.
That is 9:17
